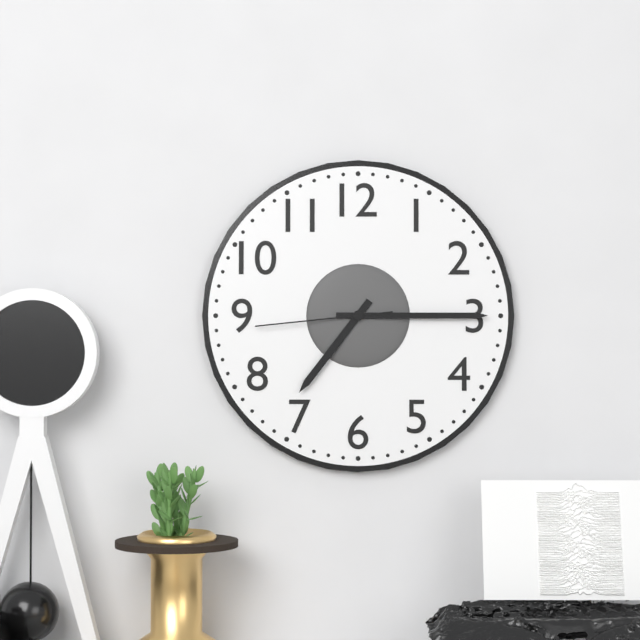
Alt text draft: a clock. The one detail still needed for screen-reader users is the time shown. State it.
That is 7:15:44
